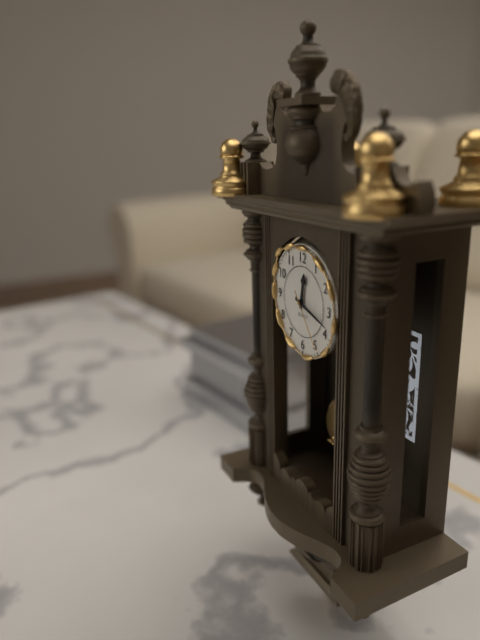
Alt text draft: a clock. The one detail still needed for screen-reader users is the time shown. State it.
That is 12:18:24
